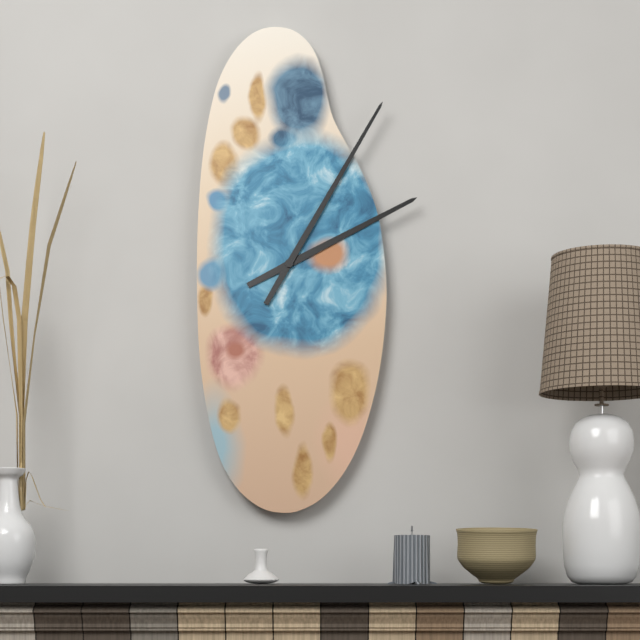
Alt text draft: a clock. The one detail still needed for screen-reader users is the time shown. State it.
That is 2:05
